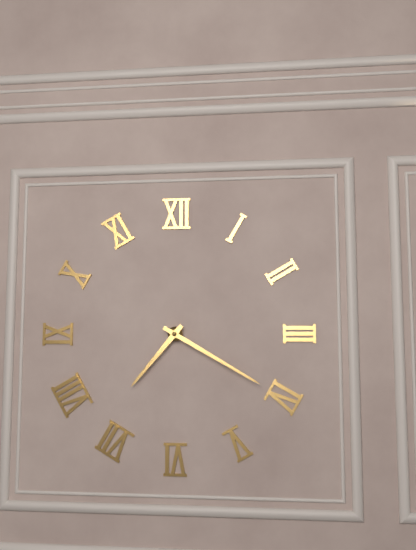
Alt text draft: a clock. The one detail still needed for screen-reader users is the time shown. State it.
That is 7:20
